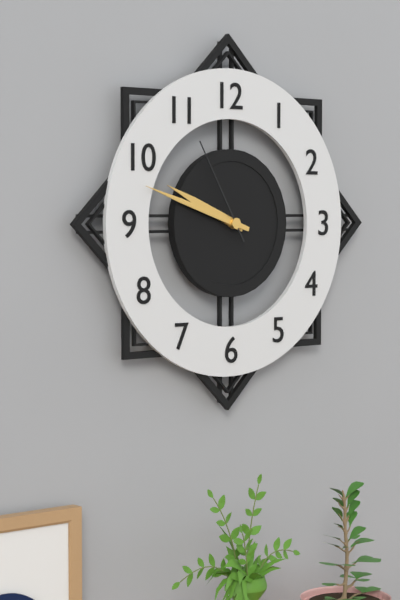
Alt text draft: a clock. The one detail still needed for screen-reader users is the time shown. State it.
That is 9:48:55
